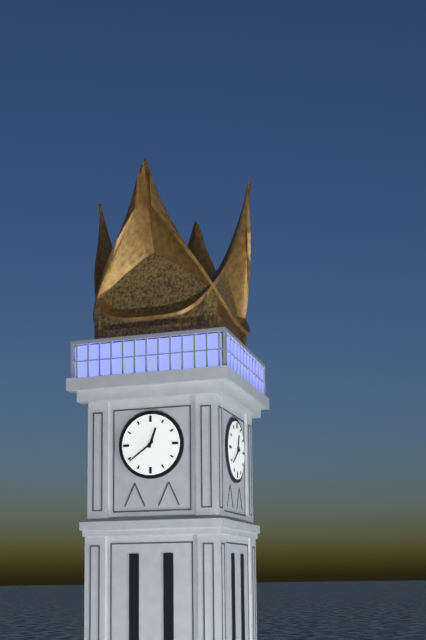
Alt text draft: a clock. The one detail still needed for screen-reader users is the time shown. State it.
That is 12:39
